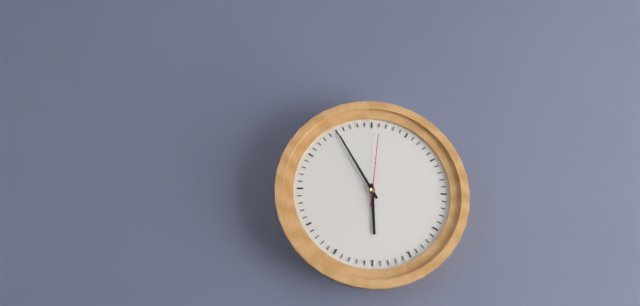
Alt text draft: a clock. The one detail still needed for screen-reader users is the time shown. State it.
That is 5:55:01
